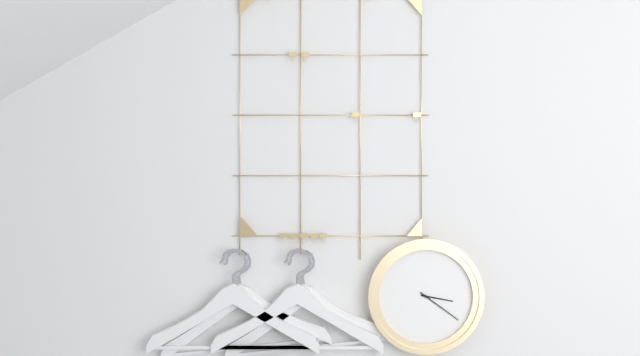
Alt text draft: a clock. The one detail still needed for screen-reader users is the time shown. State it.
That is 3:21
